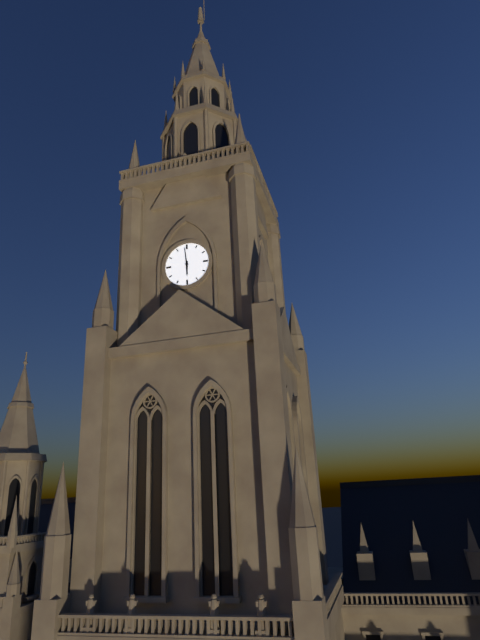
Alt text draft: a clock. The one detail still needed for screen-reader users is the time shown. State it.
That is 5:59
